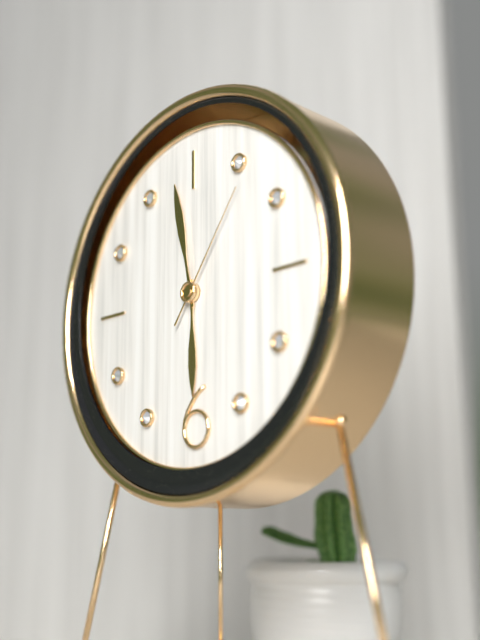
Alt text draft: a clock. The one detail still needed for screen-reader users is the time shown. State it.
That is 5:58:06
